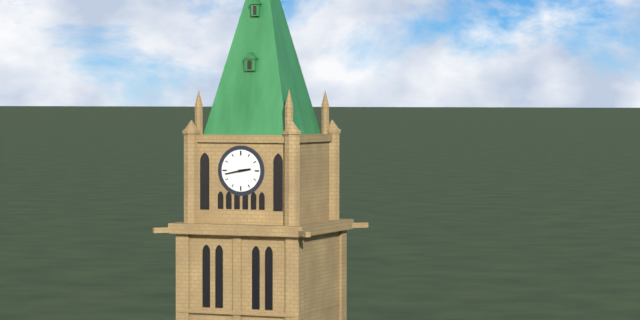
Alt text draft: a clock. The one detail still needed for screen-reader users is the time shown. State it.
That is 2:43
